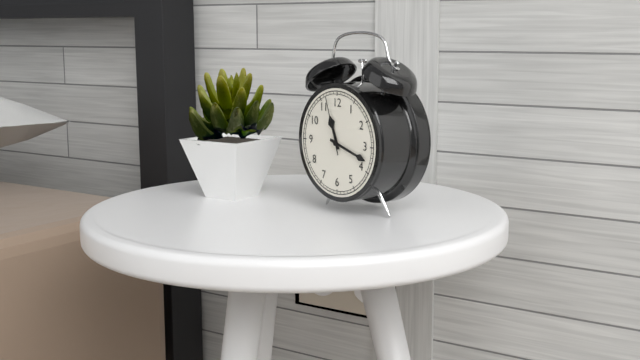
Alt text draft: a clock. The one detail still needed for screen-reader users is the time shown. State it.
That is 11:18:57
